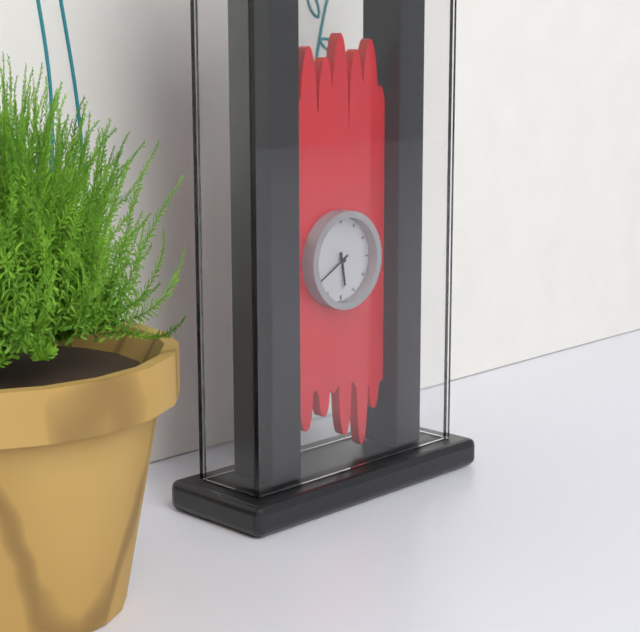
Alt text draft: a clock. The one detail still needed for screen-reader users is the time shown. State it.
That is 5:40
